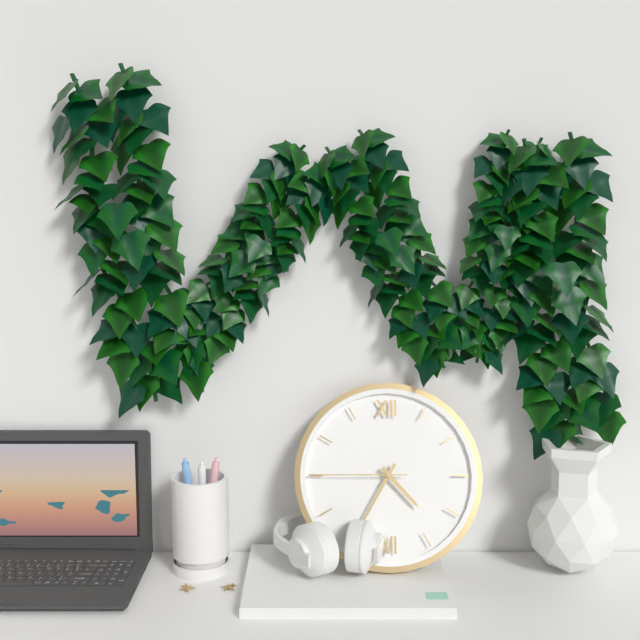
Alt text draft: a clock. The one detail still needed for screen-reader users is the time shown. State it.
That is 4:35:45
